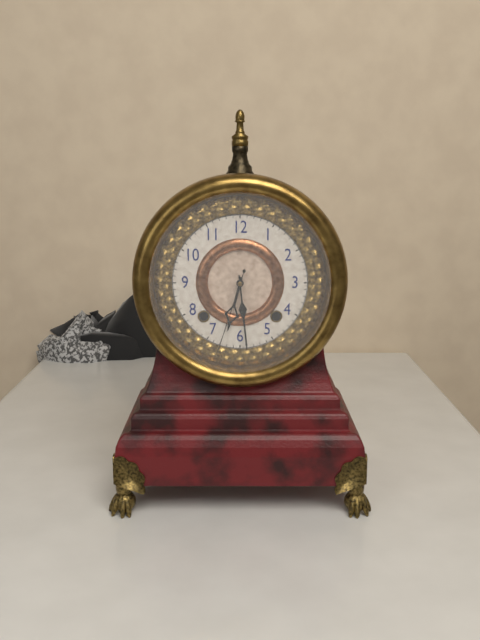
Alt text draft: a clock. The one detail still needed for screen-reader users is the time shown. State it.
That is 6:29:33
